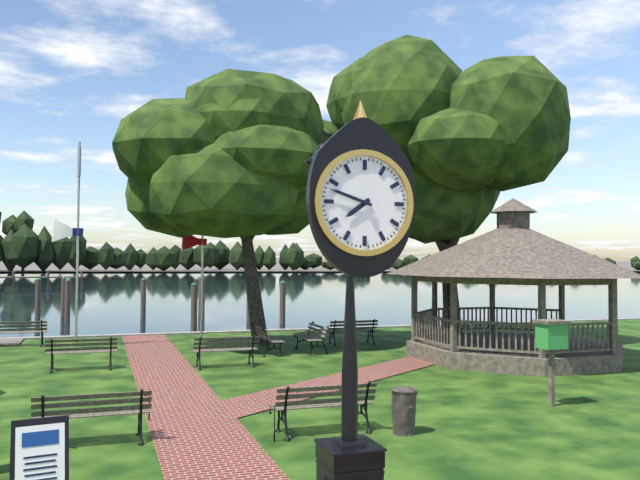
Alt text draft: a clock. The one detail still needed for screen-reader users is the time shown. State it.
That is 7:48
